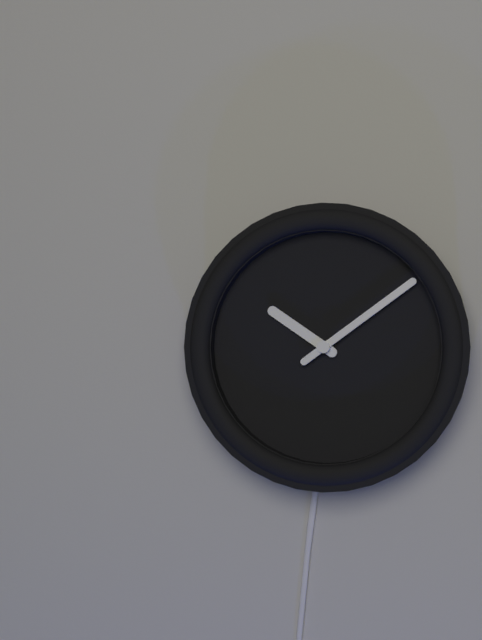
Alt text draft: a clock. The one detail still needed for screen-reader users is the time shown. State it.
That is 10:09
